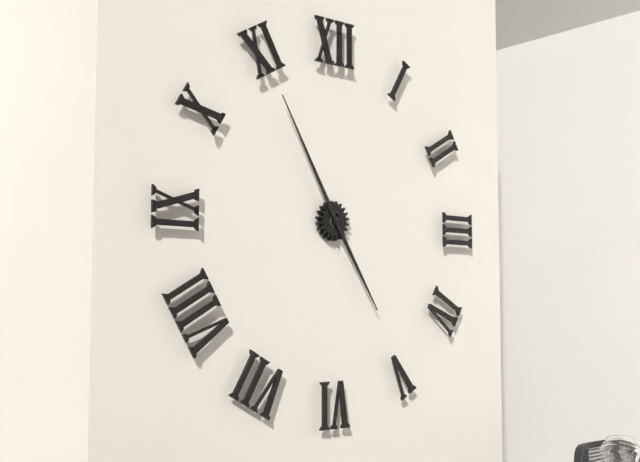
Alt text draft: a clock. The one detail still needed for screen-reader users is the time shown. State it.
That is 4:55
